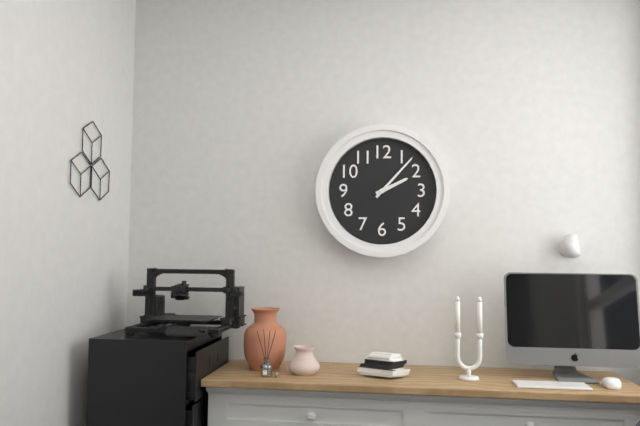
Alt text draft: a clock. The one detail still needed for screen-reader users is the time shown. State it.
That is 2:07
